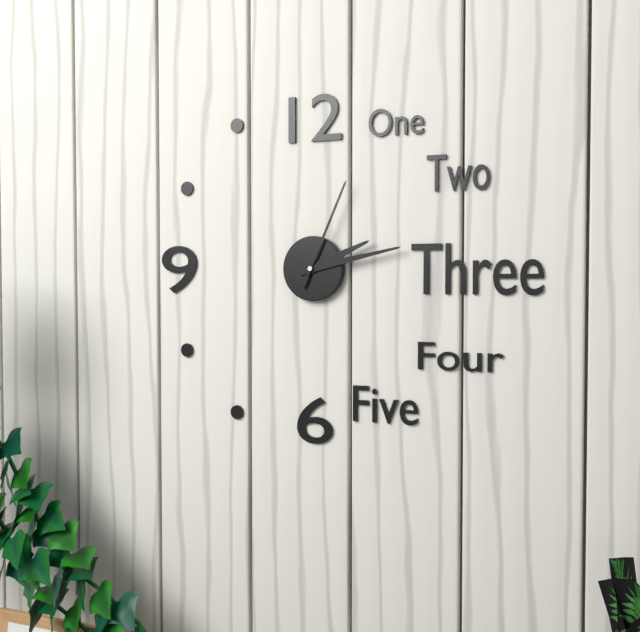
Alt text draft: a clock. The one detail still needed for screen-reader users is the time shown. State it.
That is 2:13:04
